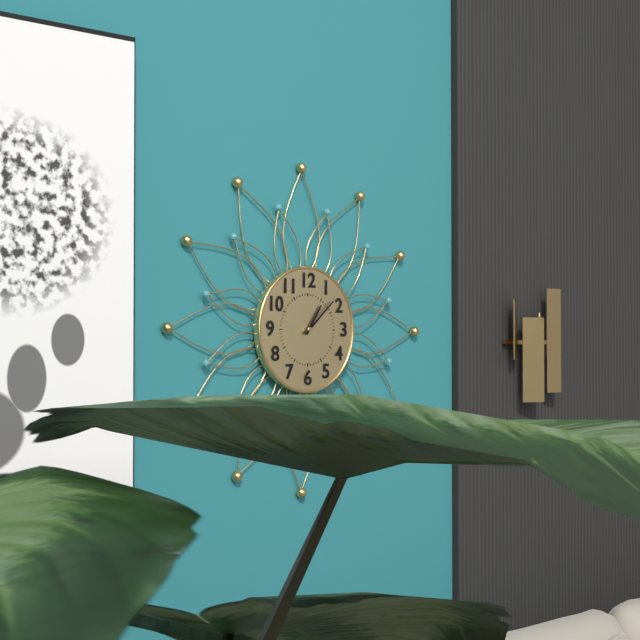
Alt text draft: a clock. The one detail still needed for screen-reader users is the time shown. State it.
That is 1:08
